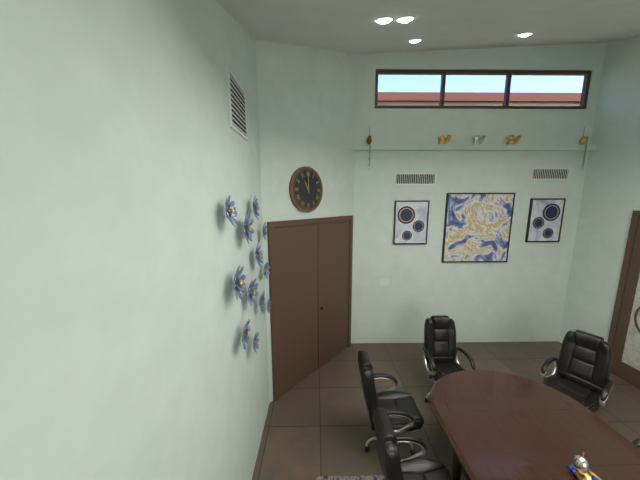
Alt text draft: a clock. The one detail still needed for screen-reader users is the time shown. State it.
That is 11:00
